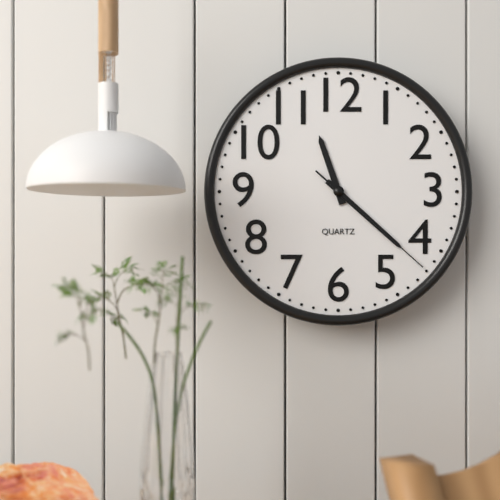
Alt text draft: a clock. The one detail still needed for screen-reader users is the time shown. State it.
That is 11:22:22
